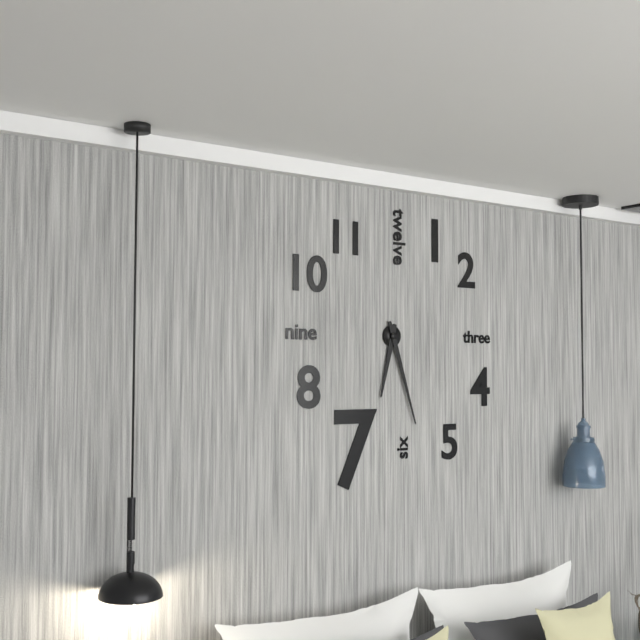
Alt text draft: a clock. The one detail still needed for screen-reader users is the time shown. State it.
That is 6:27
